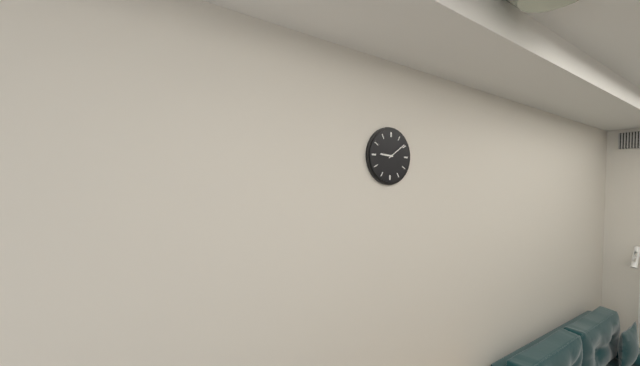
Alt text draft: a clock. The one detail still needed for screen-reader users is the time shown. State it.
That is 9:09
